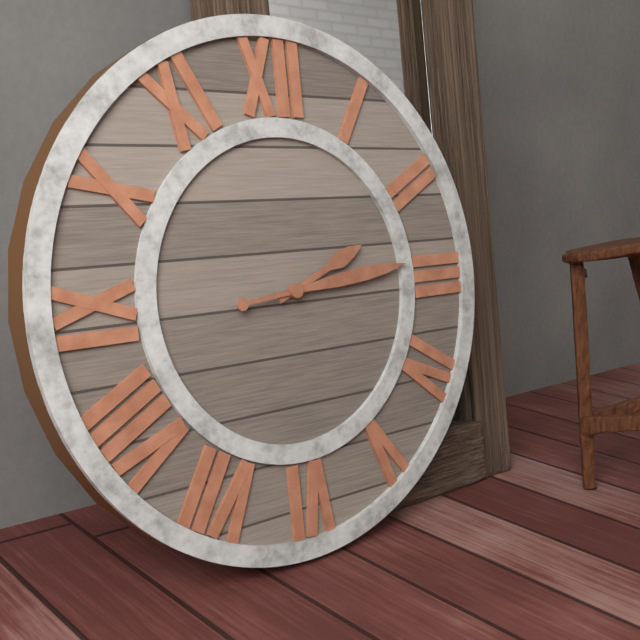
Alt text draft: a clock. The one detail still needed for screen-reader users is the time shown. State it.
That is 2:14
